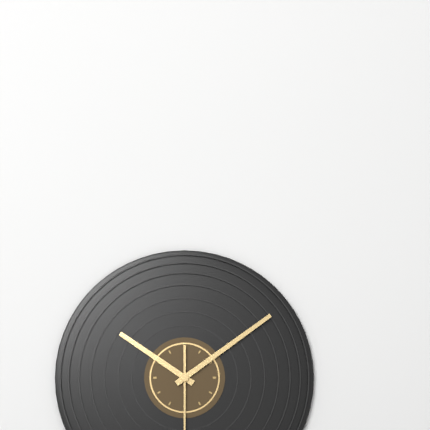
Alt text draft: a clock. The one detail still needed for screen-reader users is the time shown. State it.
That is 10:09
